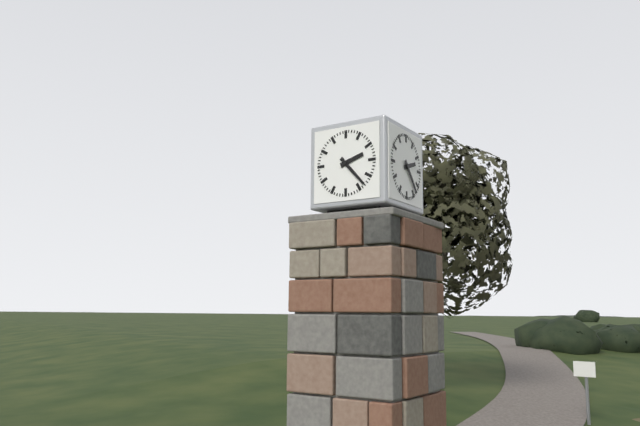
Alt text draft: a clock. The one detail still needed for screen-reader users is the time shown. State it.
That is 2:23
